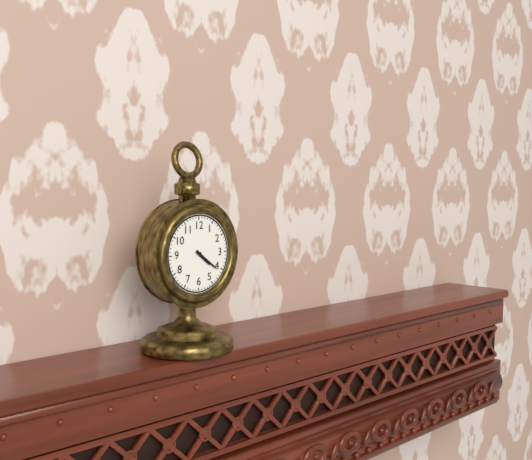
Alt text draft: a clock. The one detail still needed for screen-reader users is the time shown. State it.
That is 4:21
